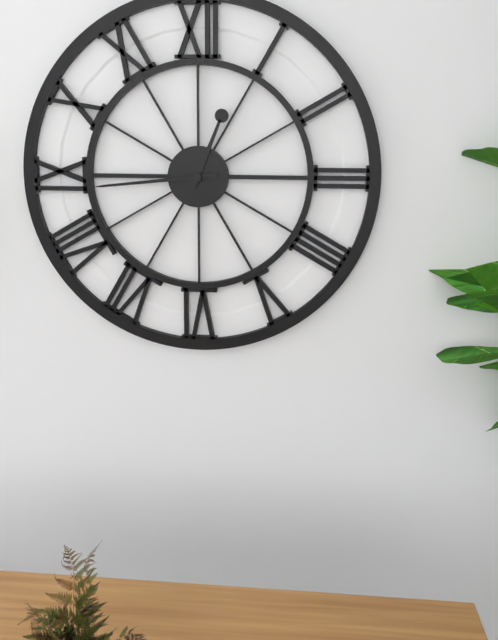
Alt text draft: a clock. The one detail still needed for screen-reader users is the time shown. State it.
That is 12:44
